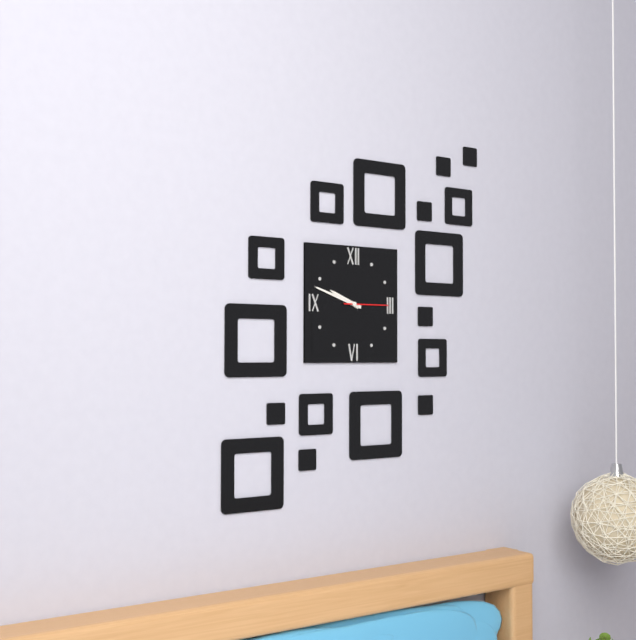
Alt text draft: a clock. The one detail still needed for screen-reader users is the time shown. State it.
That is 9:48
